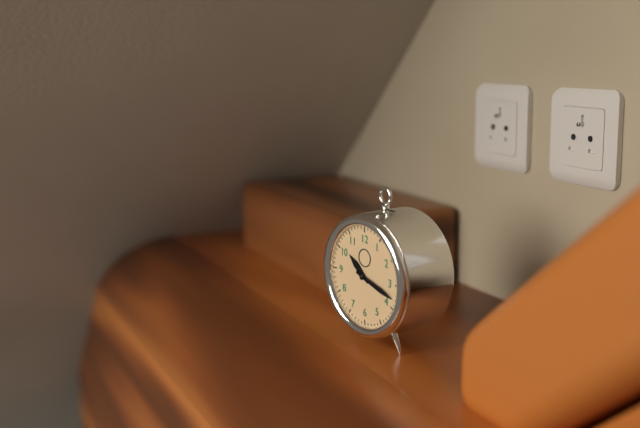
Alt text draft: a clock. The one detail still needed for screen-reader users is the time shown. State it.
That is 10:18
